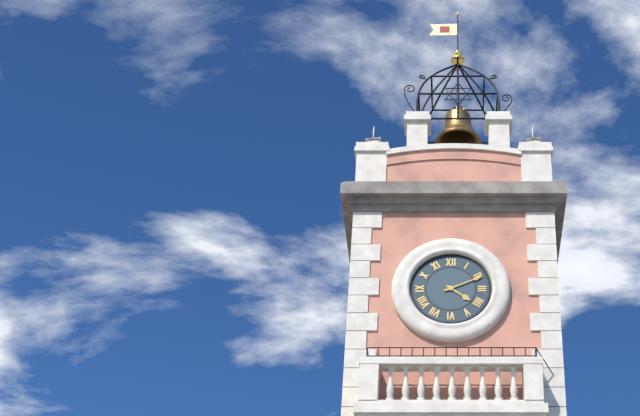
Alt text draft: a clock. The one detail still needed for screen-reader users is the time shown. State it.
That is 4:11
